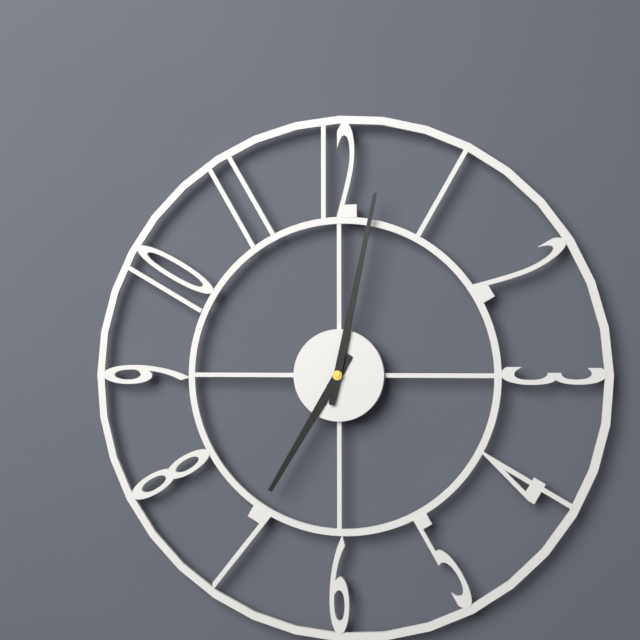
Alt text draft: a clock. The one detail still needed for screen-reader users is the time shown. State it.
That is 7:02
